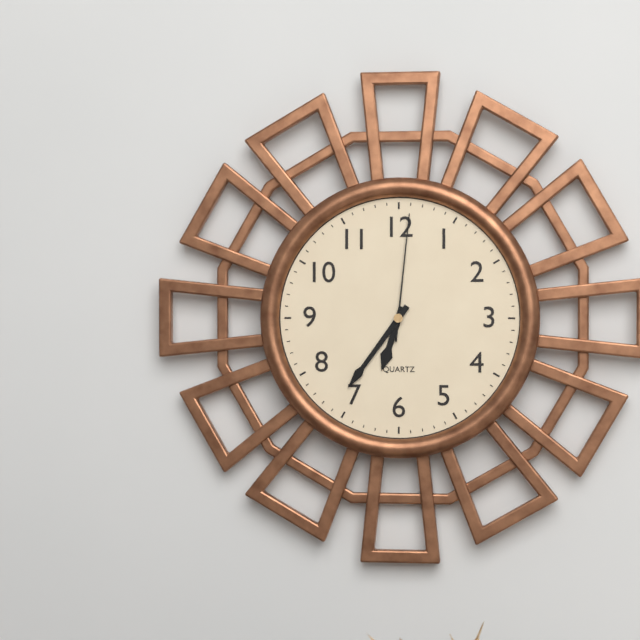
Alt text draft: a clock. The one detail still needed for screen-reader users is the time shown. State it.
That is 6:36:01
